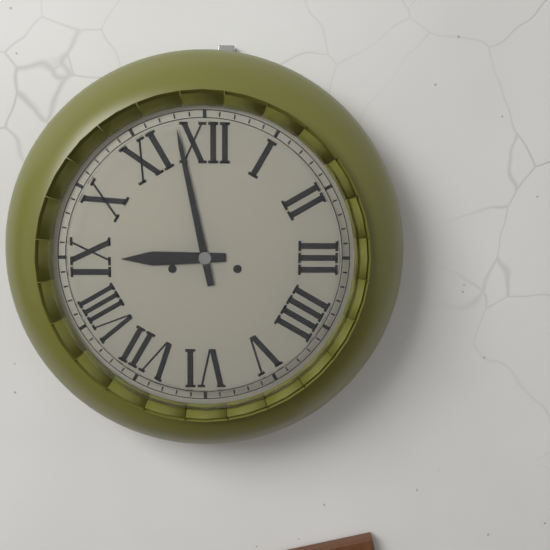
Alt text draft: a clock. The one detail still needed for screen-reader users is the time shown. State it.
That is 8:58
